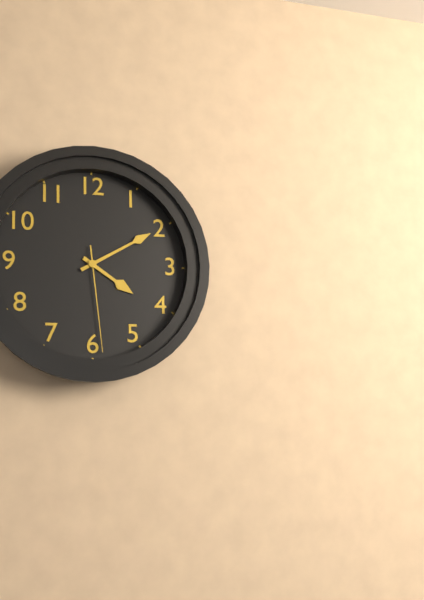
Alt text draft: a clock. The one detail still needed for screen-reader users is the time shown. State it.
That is 4:10:29
